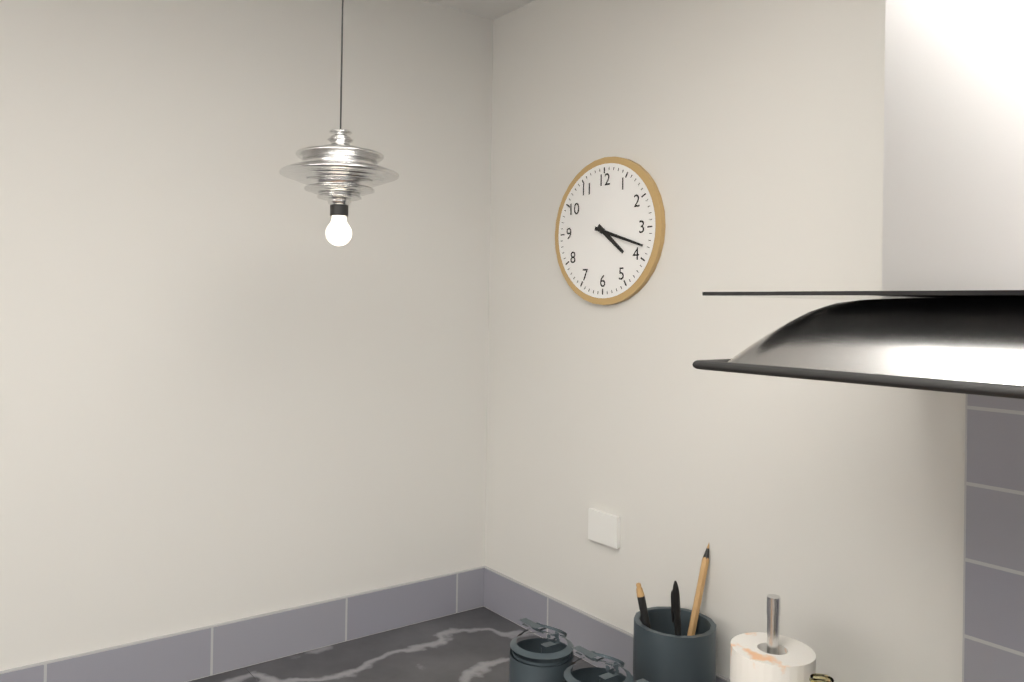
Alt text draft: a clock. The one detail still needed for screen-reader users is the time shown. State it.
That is 4:18
